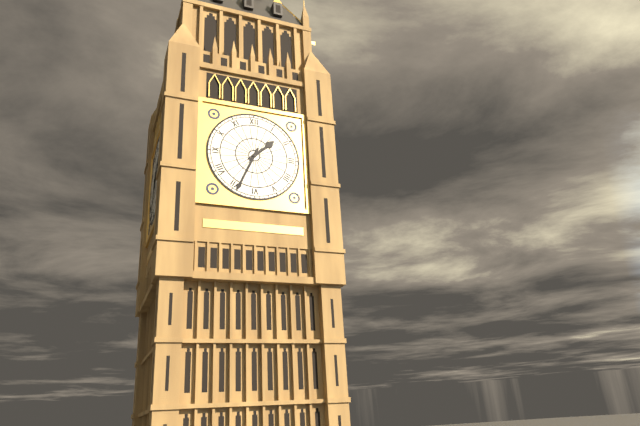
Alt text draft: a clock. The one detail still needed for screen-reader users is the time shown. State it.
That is 1:34
